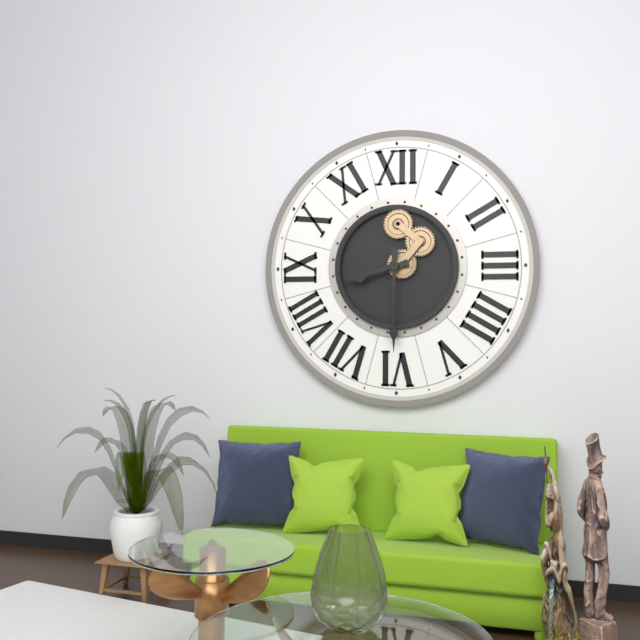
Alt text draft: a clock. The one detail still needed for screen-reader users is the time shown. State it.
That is 8:30
